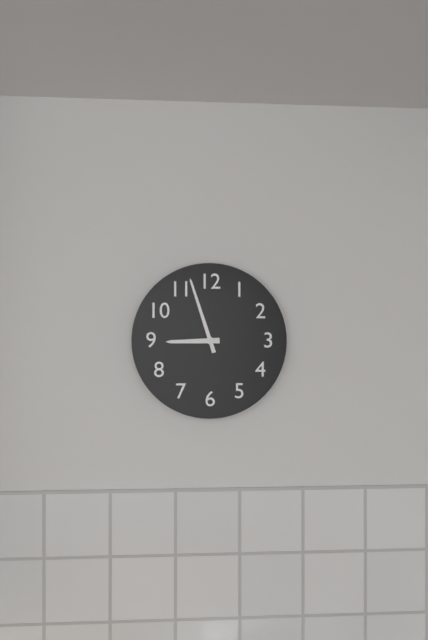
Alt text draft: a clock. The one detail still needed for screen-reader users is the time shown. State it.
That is 8:57
